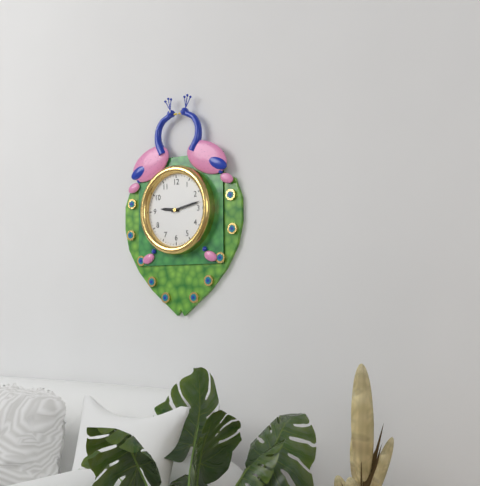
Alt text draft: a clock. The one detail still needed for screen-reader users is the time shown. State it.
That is 9:13
